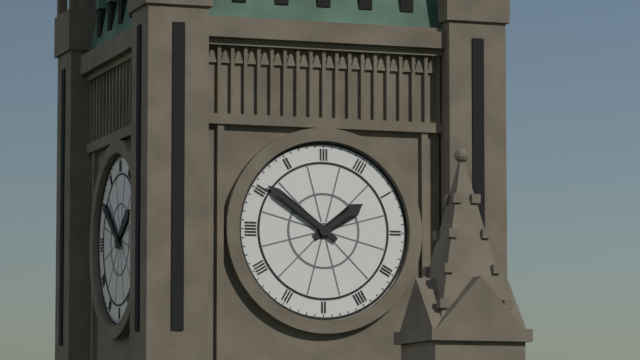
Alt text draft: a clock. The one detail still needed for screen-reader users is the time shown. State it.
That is 1:51
